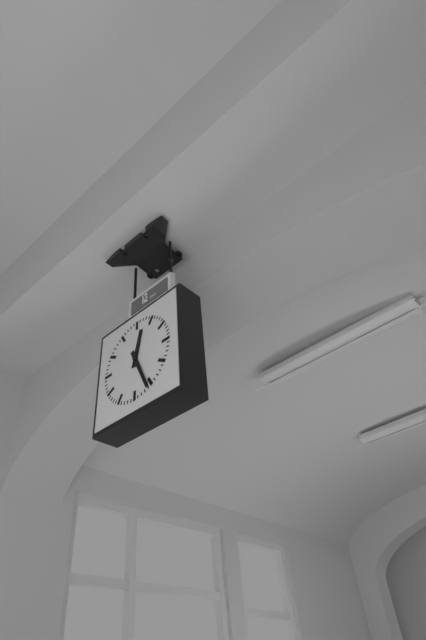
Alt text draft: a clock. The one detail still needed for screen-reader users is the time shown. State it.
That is 12:26
